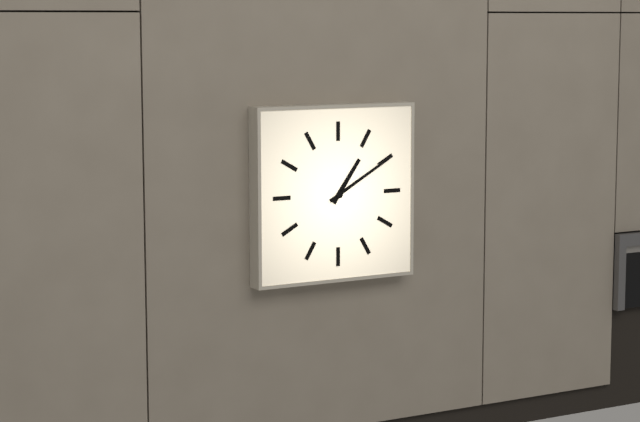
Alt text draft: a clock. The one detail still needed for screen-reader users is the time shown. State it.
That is 1:10
